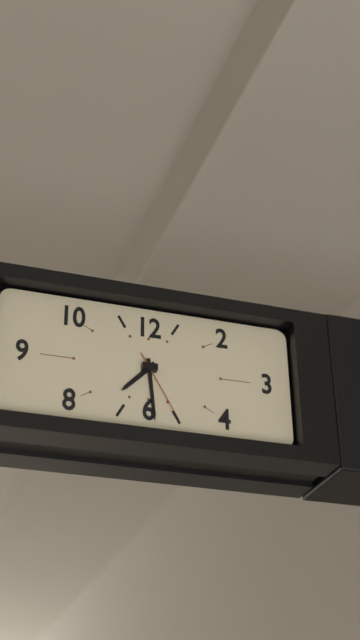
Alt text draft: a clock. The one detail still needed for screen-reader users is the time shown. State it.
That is 7:29:25
